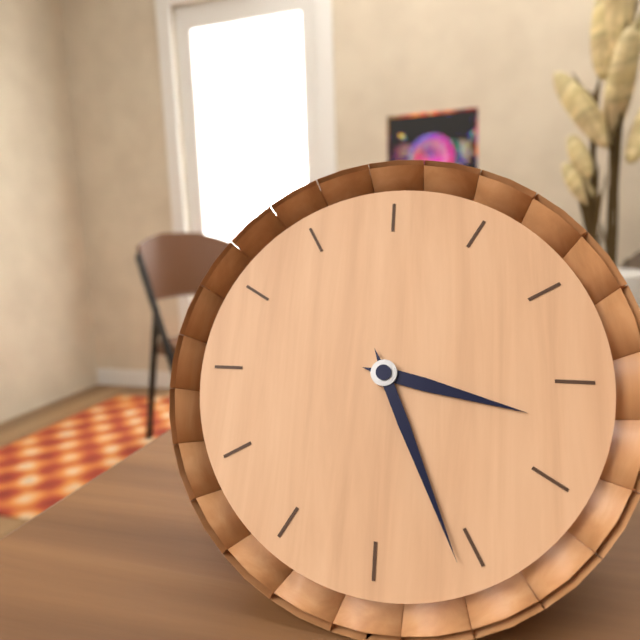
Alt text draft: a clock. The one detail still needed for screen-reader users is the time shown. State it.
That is 3:26
